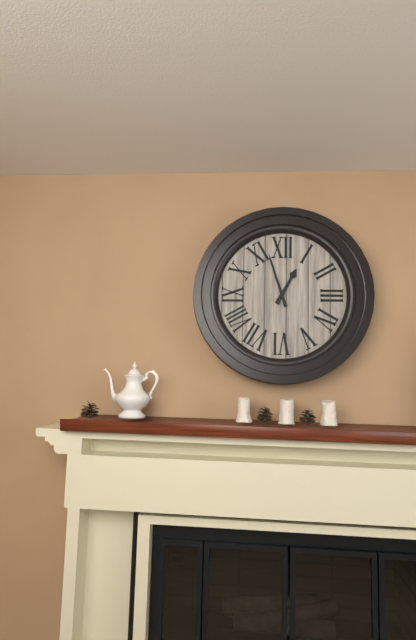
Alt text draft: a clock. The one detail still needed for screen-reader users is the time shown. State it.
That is 12:57
